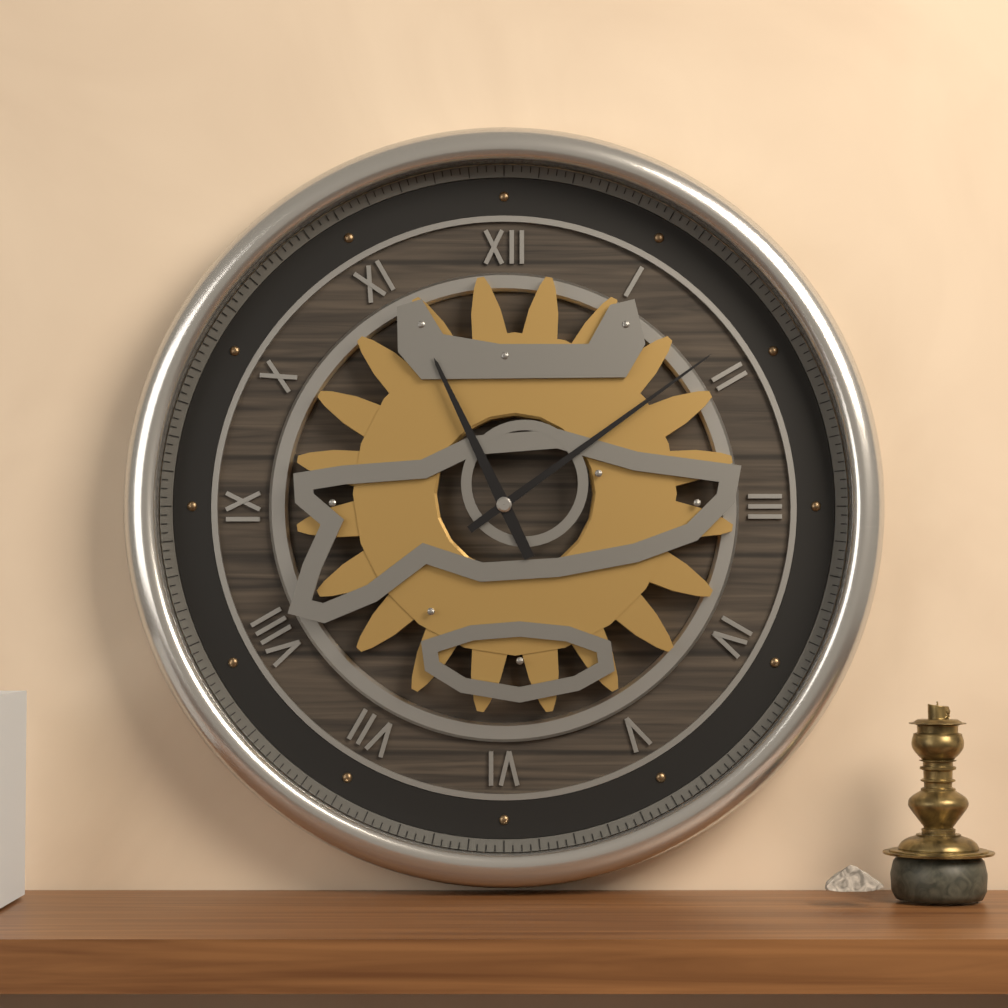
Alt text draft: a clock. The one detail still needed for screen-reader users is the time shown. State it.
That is 11:09
